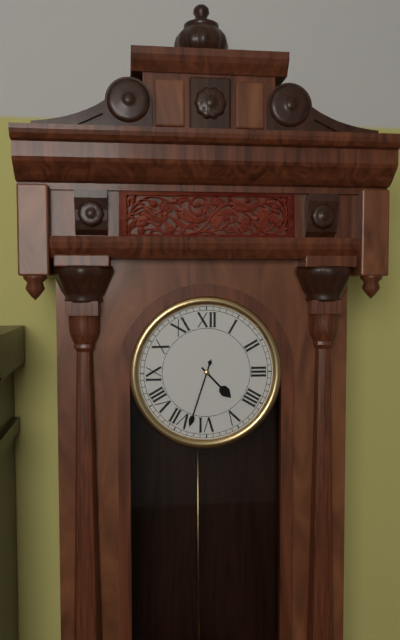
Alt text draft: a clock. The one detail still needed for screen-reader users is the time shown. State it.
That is 4:33
